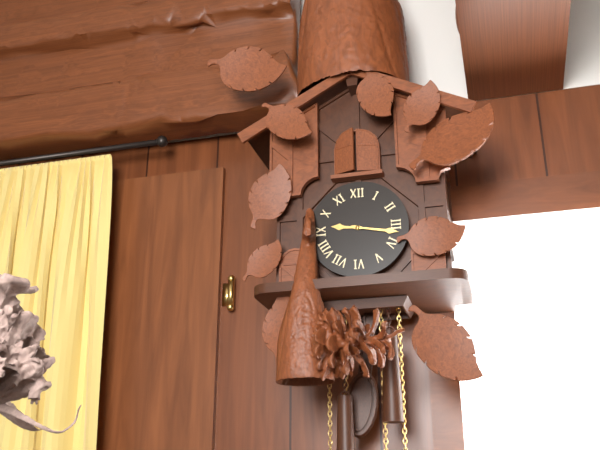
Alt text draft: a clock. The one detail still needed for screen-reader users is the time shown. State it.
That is 9:17
